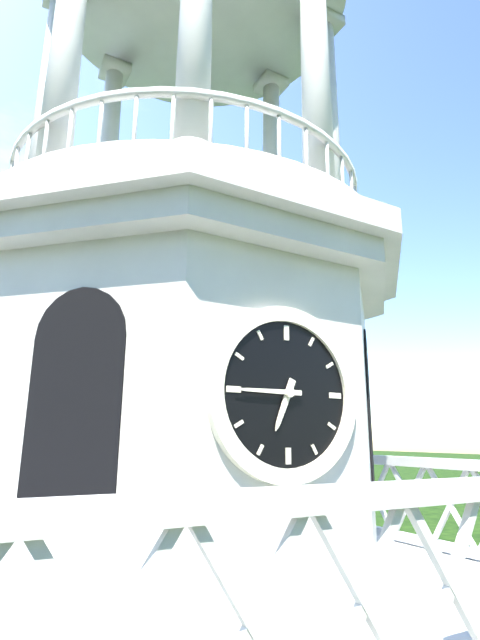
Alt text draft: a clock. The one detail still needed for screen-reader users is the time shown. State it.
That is 6:45
